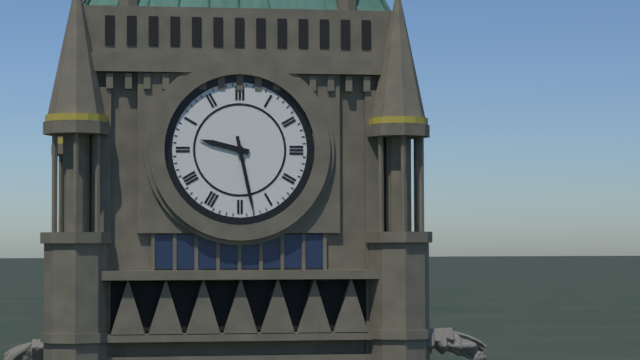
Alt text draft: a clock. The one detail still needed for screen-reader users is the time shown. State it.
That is 9:28
